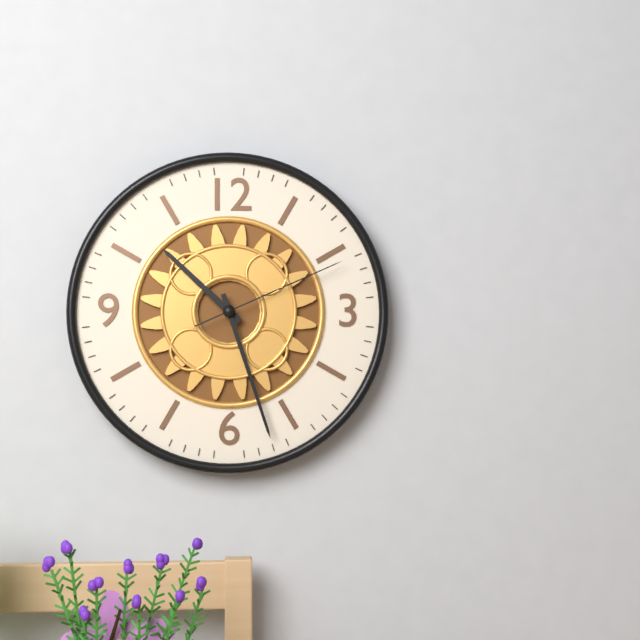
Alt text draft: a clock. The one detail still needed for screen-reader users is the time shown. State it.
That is 10:27:11
